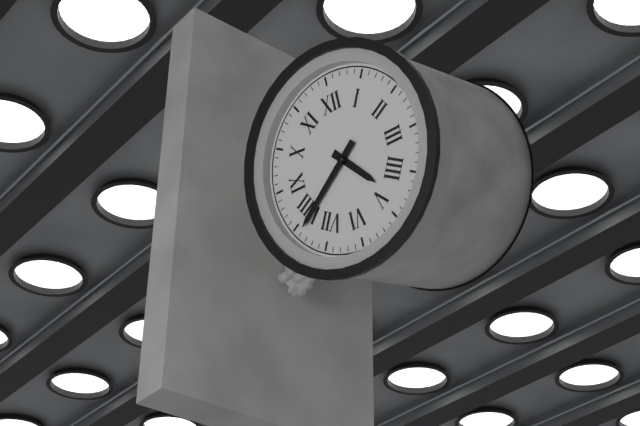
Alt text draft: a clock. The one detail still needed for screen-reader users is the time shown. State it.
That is 4:39
